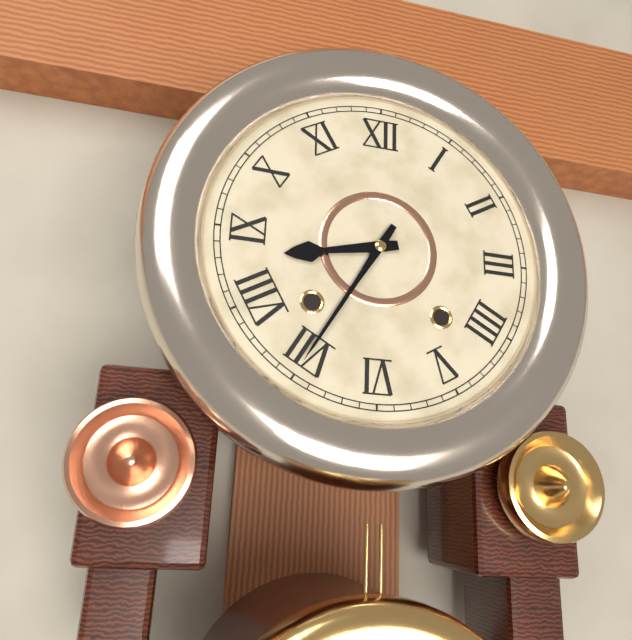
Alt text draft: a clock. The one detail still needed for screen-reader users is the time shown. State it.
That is 8:35
